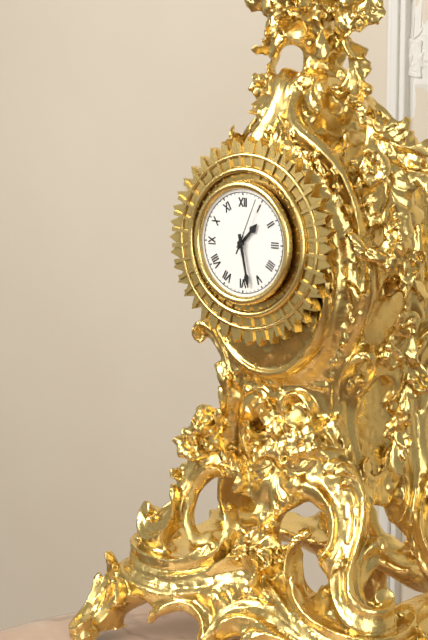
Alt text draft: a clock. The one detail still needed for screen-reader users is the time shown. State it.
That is 1:28:04
